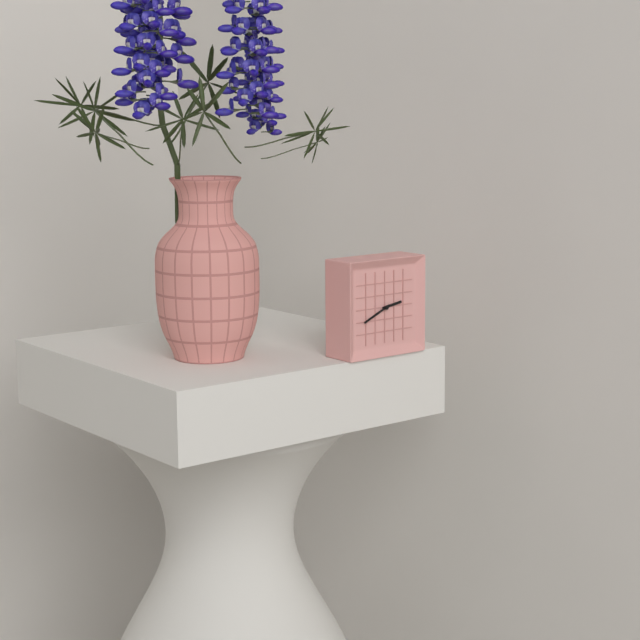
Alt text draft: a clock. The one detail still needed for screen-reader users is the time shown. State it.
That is 2:41
